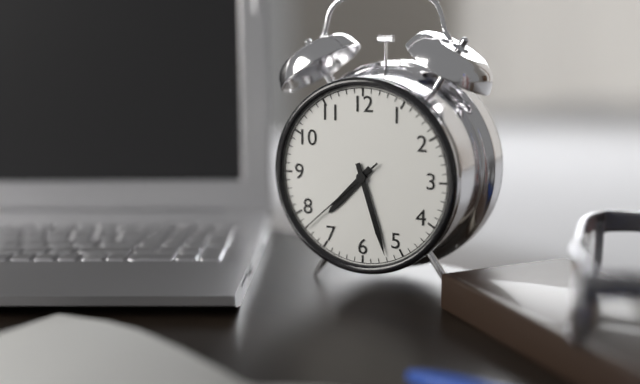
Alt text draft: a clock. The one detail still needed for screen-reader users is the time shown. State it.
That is 7:27:38
